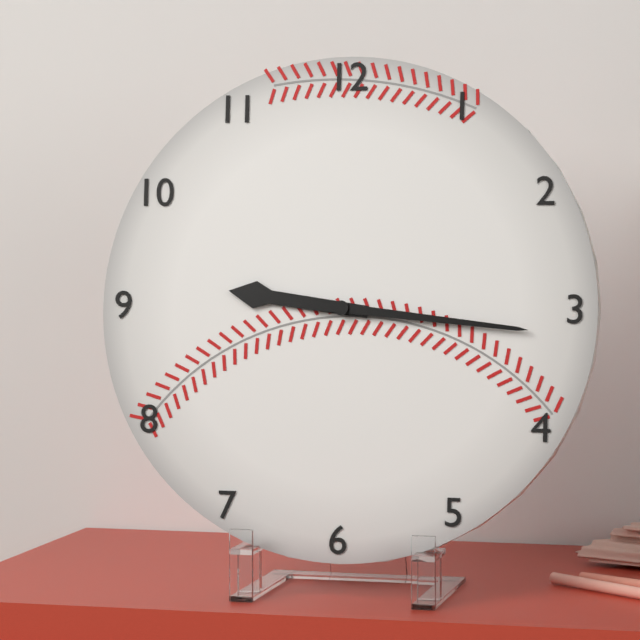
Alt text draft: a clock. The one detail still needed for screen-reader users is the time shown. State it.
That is 9:16
